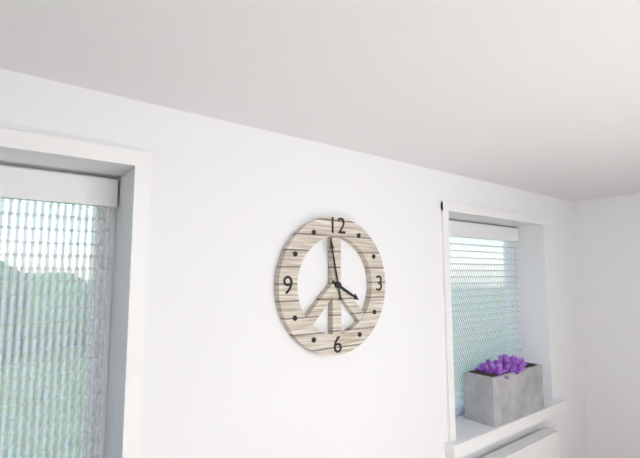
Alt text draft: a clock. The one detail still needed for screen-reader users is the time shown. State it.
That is 3:58
